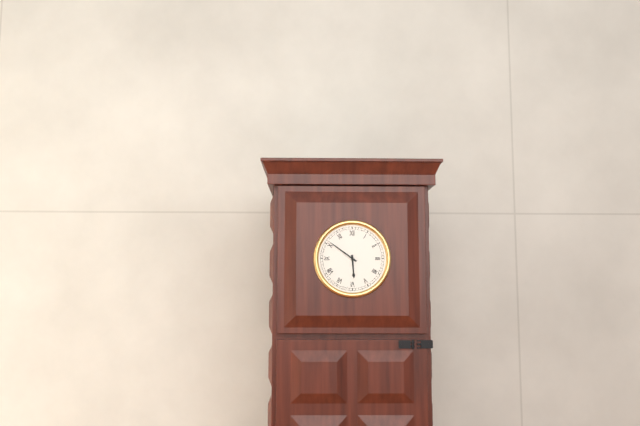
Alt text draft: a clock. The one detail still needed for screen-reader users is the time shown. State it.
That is 5:51
